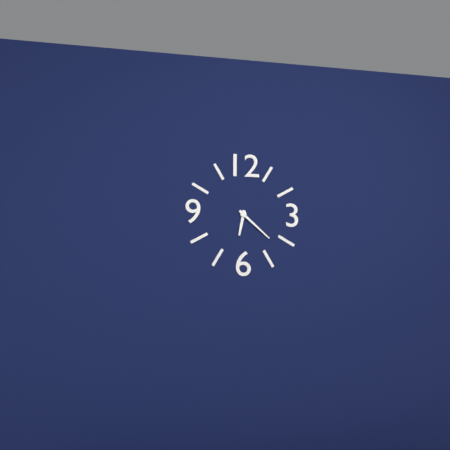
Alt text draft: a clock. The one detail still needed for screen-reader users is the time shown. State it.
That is 6:22
